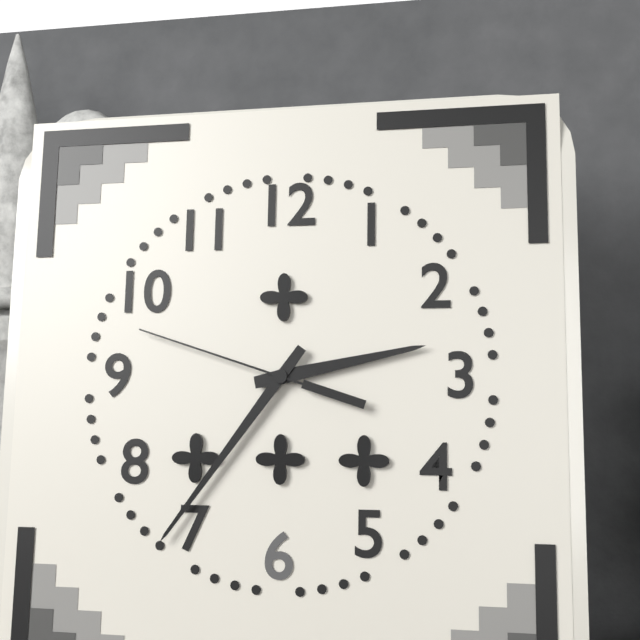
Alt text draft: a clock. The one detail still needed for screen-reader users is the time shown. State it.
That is 2:36:48
